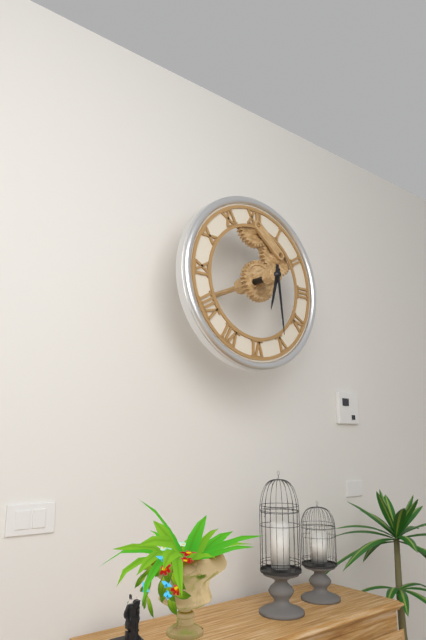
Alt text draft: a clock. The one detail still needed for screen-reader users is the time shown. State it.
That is 6:29
